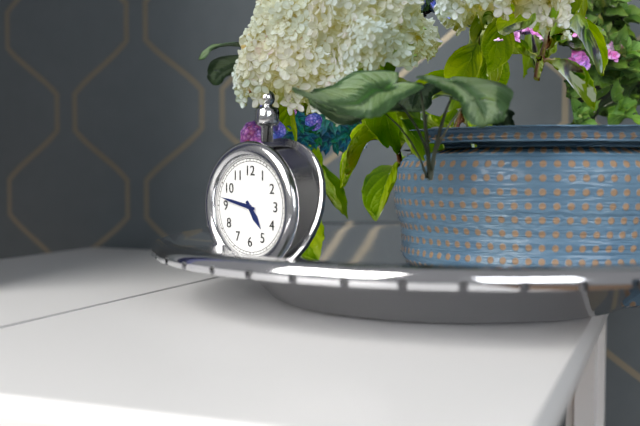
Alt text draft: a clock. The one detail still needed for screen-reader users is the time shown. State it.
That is 4:47
